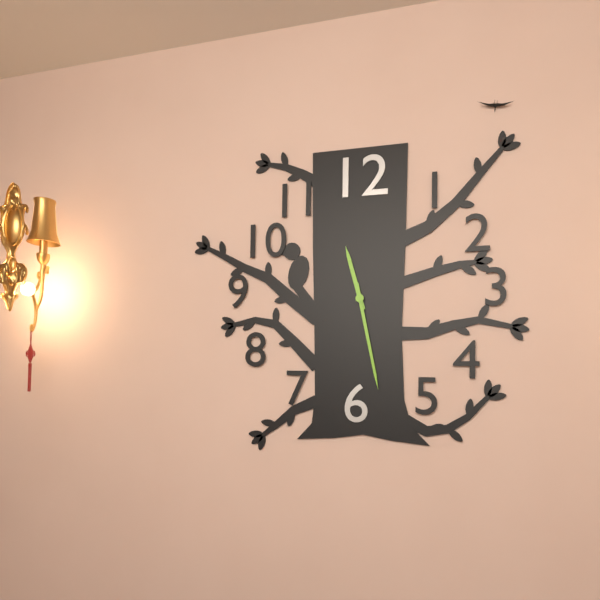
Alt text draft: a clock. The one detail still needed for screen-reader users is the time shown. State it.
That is 11:28
